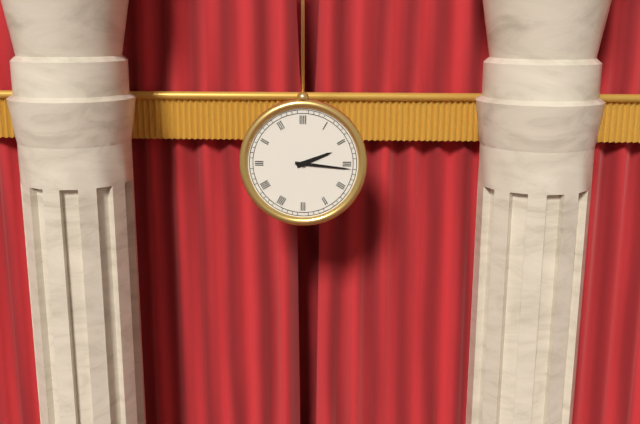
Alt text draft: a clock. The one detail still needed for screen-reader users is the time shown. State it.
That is 2:16
